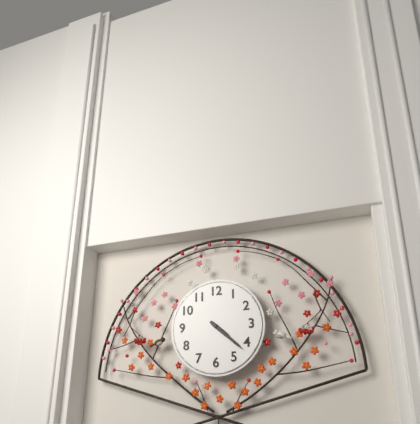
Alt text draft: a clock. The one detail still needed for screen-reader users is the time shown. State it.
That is 4:22
